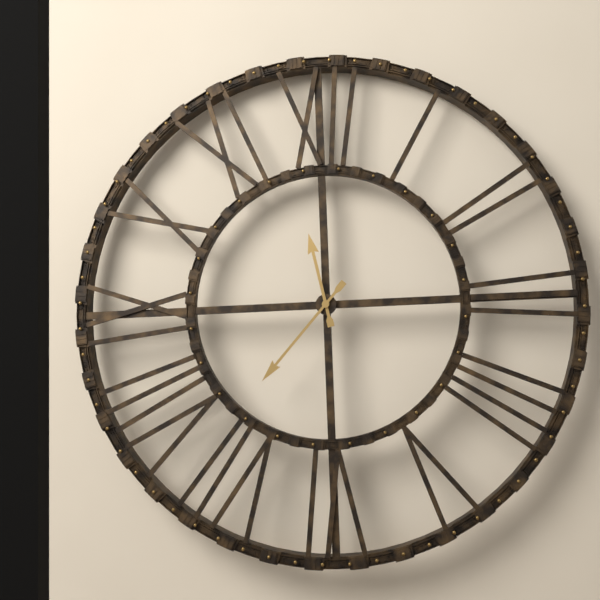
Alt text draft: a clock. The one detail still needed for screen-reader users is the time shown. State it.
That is 11:37
